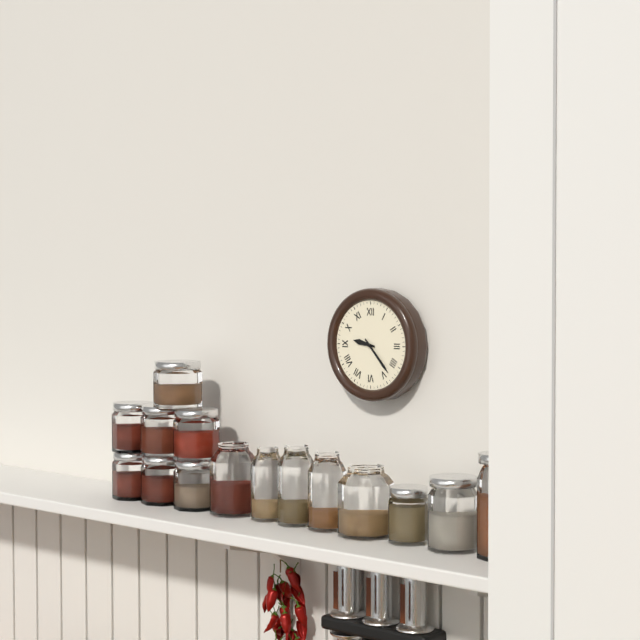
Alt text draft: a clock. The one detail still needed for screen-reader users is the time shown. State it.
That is 9:23
